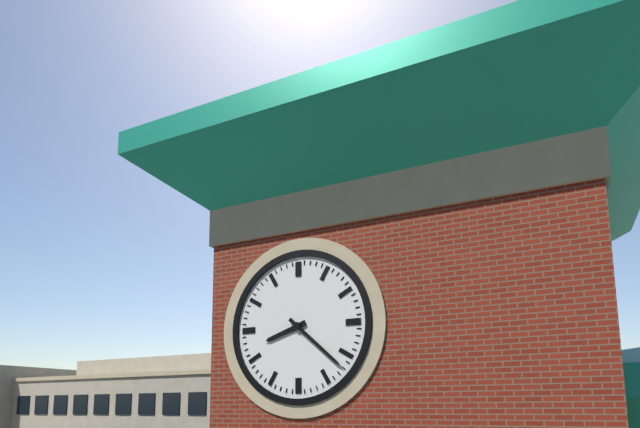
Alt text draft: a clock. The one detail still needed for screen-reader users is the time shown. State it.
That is 8:22
